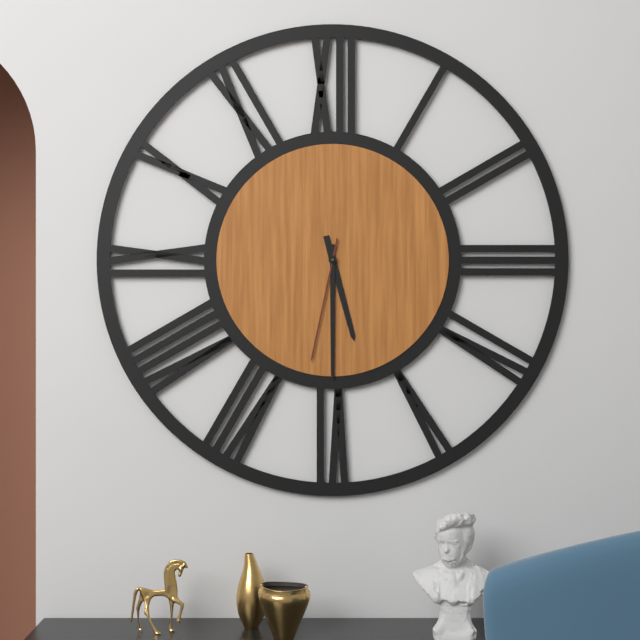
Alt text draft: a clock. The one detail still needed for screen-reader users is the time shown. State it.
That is 5:30:32
